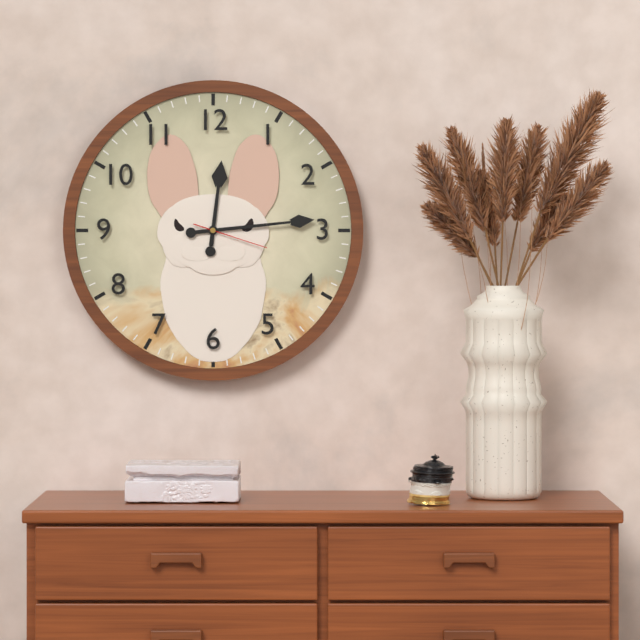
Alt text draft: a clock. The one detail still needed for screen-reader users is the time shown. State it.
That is 12:14:18
